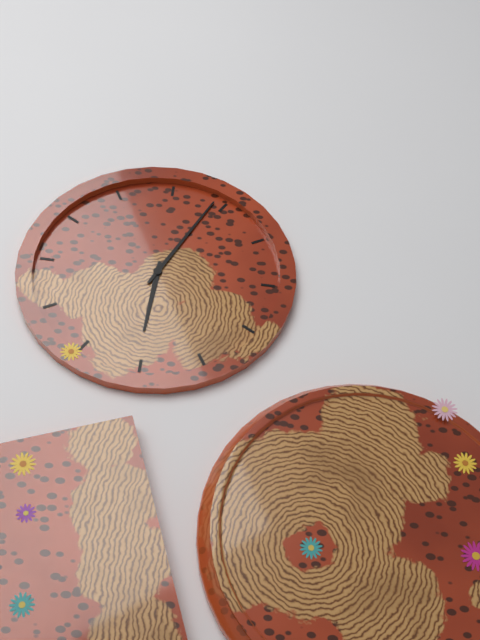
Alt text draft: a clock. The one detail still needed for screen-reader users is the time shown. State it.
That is 6:04
